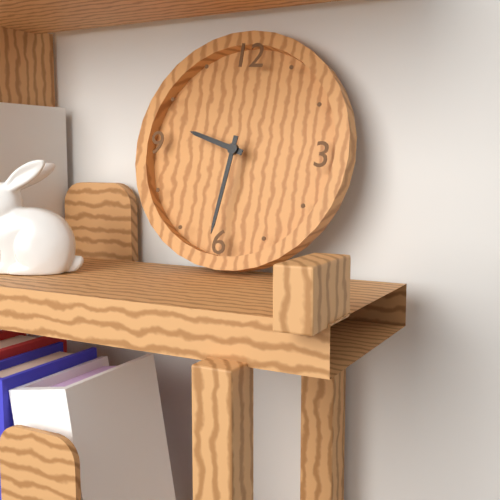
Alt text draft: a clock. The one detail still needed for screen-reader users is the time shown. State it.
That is 9:31
